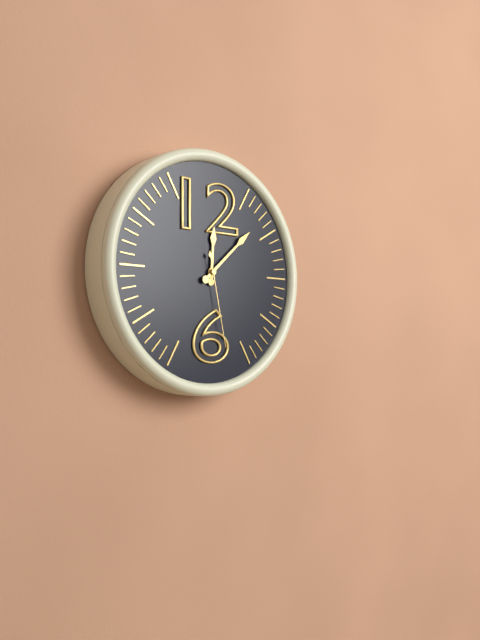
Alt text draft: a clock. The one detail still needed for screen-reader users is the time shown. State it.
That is 12:08:28
